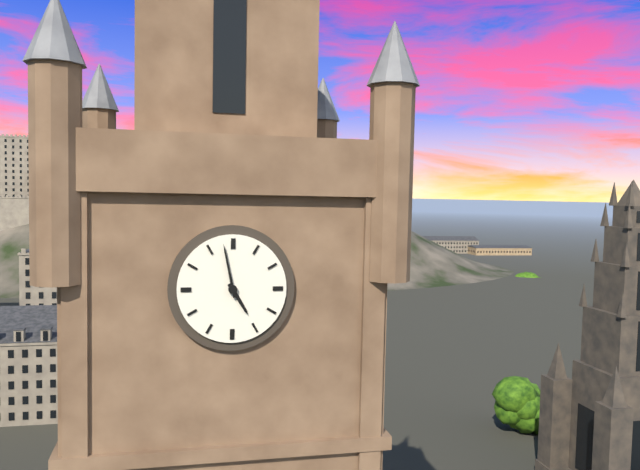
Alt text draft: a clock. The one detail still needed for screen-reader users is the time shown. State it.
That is 4:58
